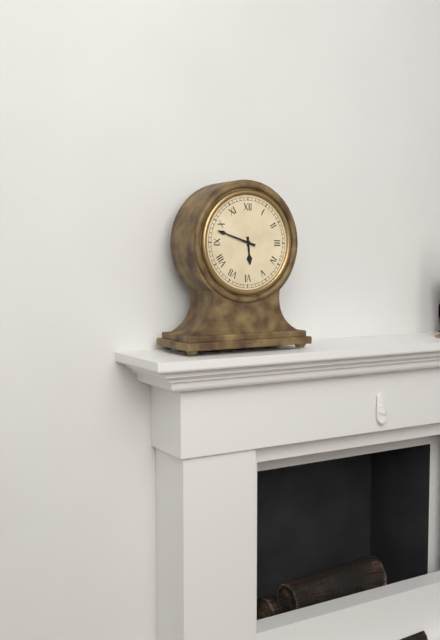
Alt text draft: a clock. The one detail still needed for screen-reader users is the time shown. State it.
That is 5:48
